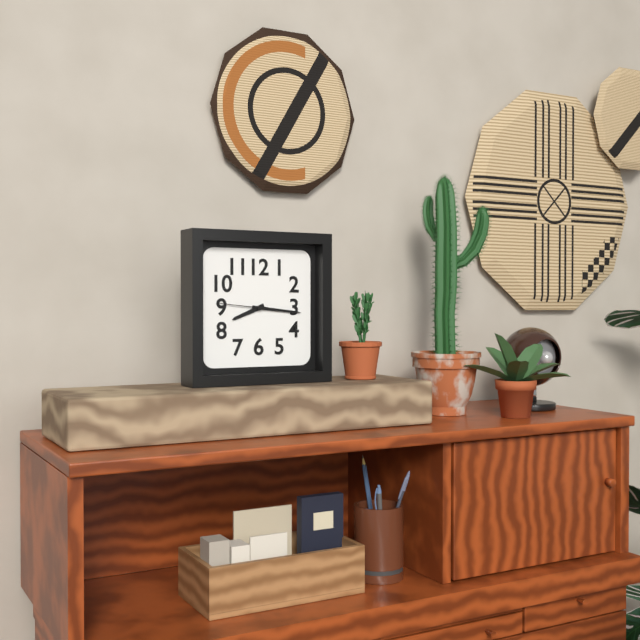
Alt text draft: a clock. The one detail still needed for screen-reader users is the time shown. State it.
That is 8:16:46
